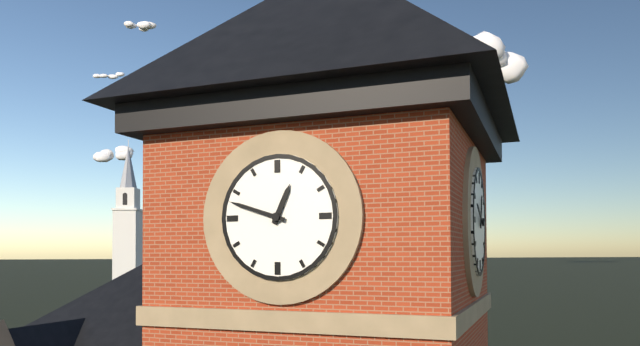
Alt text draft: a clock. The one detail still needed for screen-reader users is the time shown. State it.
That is 12:48
